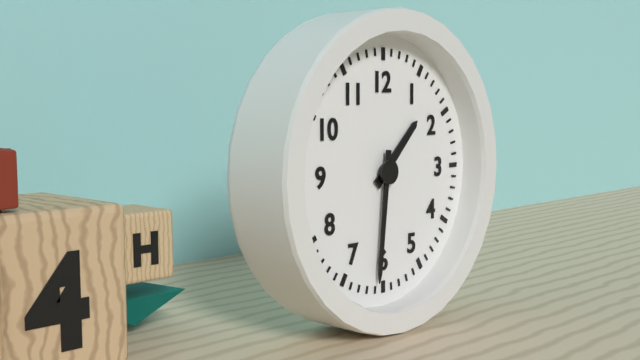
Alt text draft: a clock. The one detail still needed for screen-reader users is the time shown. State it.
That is 1:31
